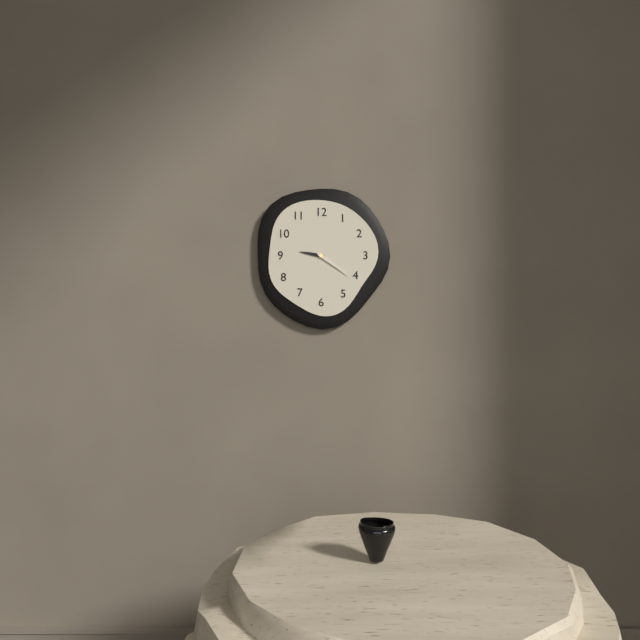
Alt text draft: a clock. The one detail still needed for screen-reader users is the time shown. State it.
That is 9:21
